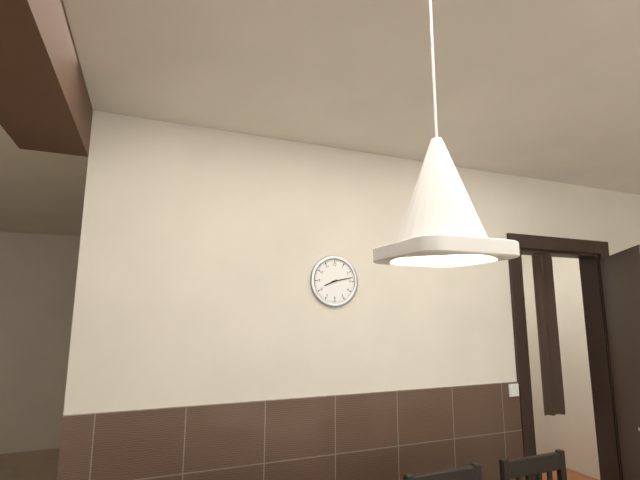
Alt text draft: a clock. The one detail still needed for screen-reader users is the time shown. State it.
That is 8:13
